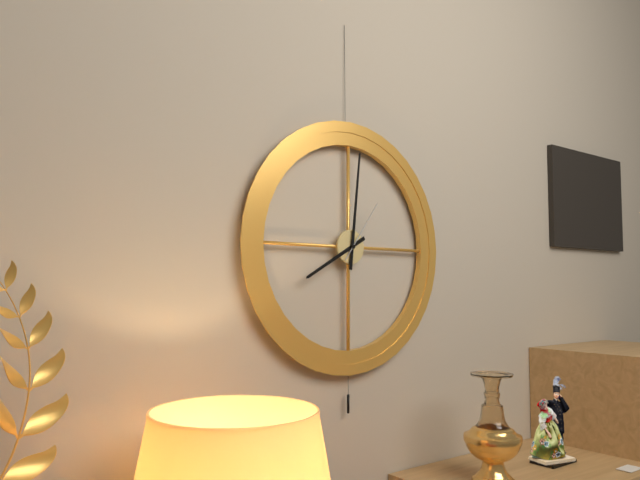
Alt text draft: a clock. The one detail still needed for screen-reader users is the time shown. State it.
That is 8:01:06
